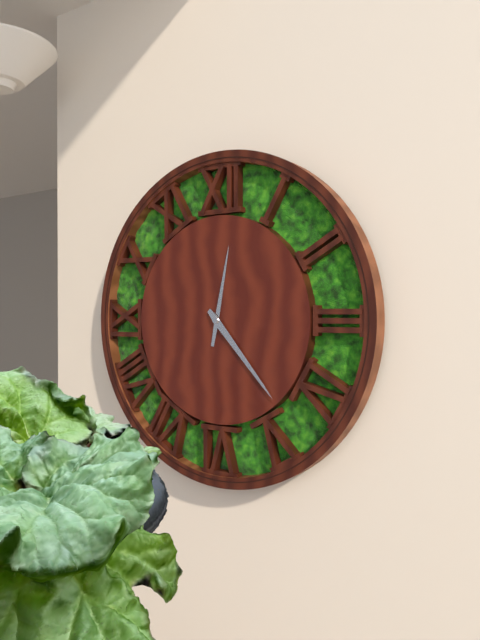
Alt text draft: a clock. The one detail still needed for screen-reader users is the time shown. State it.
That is 12:23
